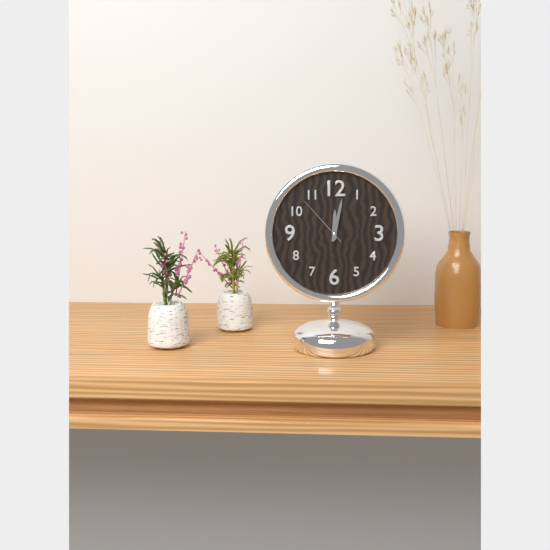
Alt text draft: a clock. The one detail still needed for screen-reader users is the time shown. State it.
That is 12:02:53
